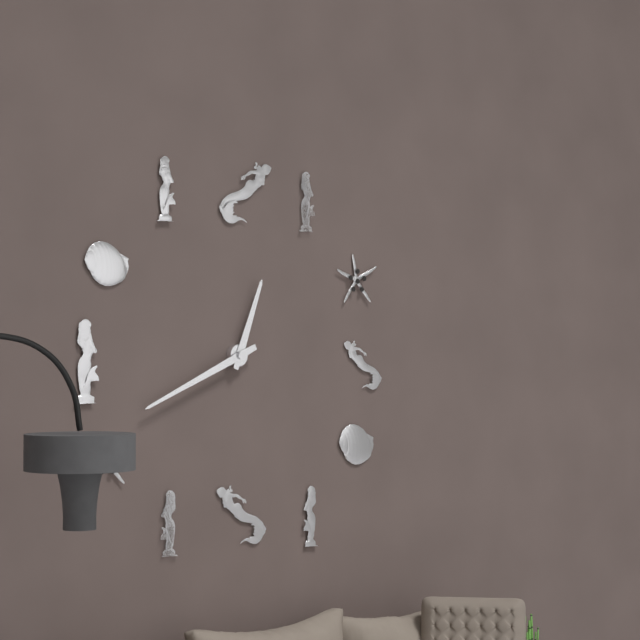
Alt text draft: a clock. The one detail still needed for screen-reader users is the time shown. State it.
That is 12:41
